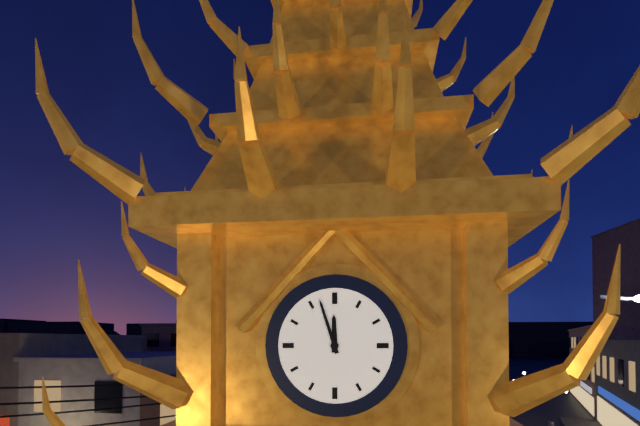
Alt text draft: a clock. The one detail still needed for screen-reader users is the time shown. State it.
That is 11:57
